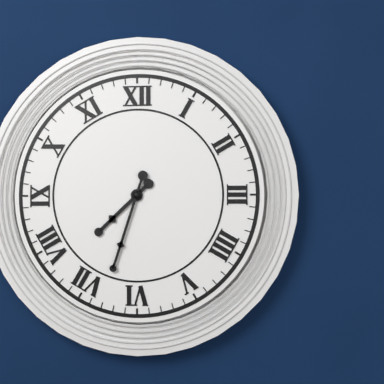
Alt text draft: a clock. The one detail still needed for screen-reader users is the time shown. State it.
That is 7:33
